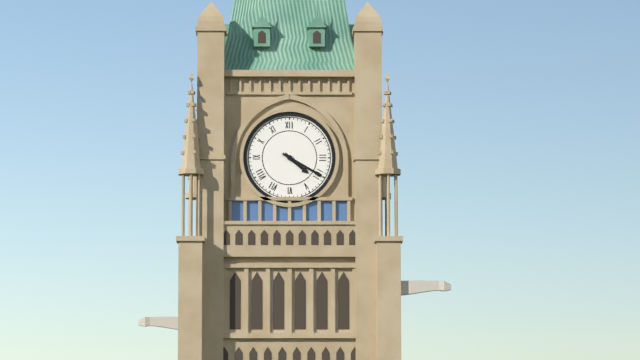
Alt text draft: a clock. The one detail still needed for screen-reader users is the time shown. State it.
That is 4:20
